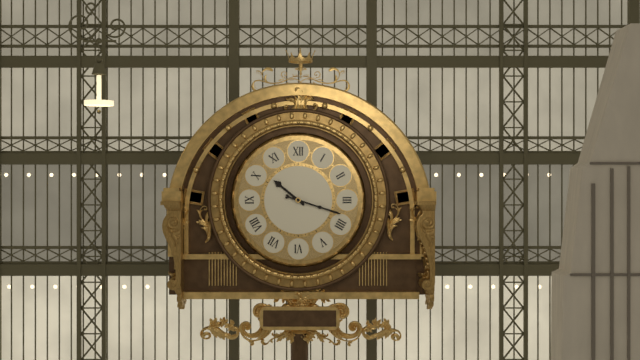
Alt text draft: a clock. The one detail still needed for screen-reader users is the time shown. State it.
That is 10:18
